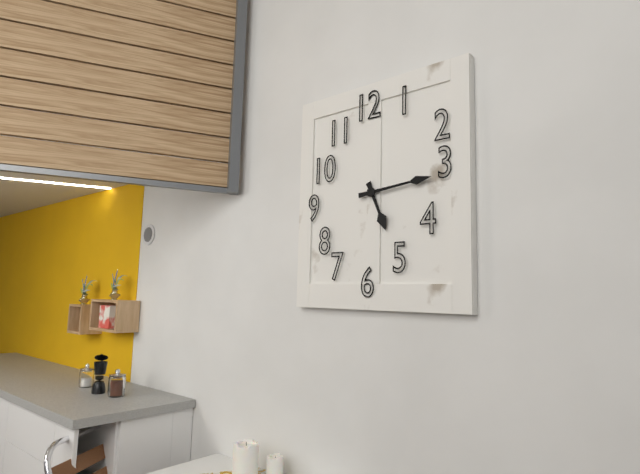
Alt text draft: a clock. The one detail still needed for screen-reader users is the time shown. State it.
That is 5:14
